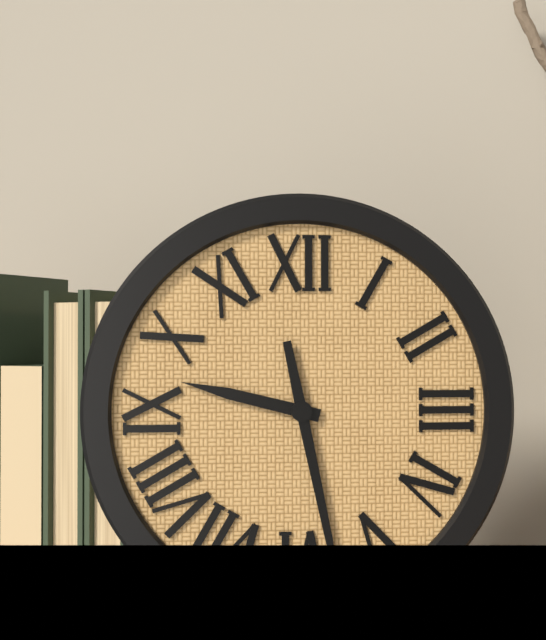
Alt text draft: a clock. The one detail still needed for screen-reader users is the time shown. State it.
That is 9:28
